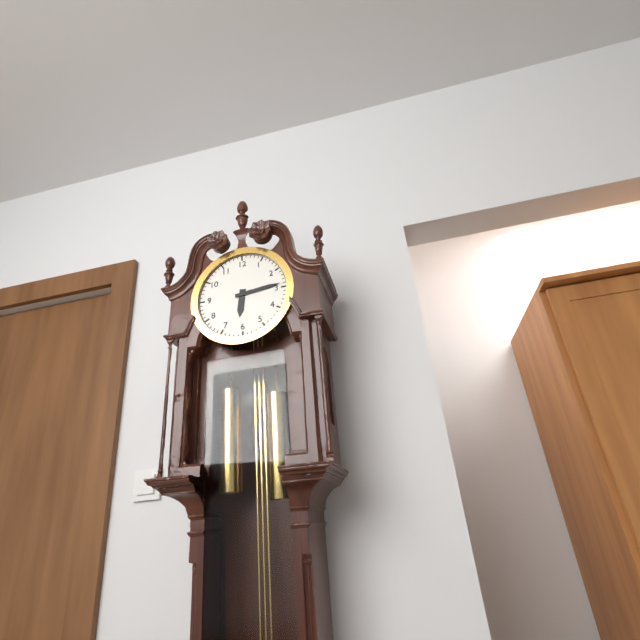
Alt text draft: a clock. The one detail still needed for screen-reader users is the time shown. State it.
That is 6:14
